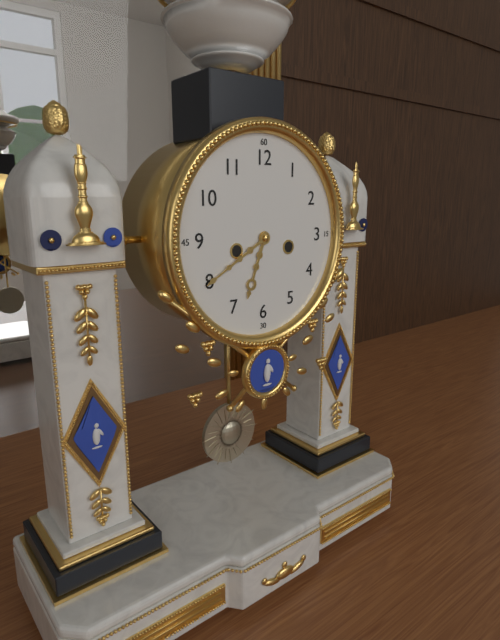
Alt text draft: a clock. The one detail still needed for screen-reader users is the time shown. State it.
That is 6:40
